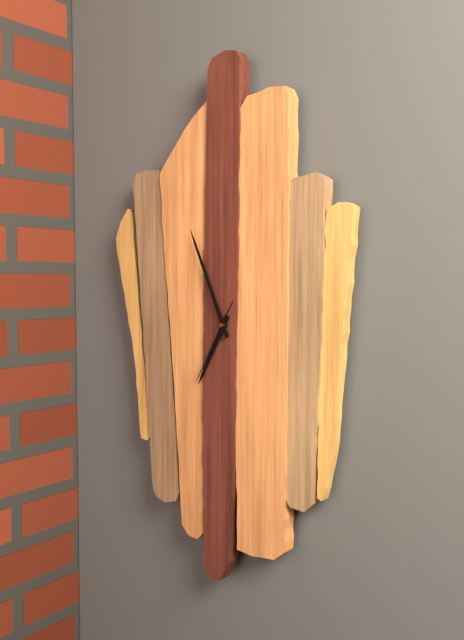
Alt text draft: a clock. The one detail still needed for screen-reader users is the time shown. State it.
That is 6:56:35
